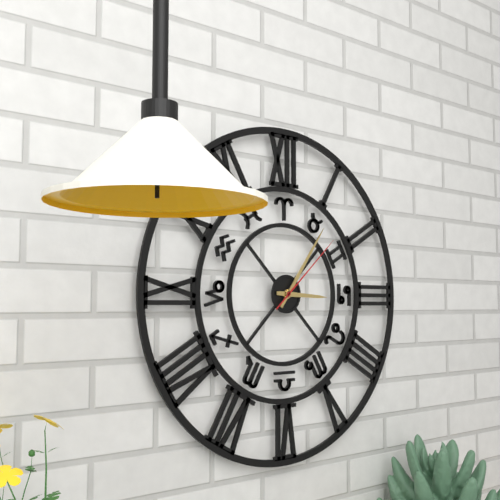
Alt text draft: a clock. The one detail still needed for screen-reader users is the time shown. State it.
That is 3:06:08
